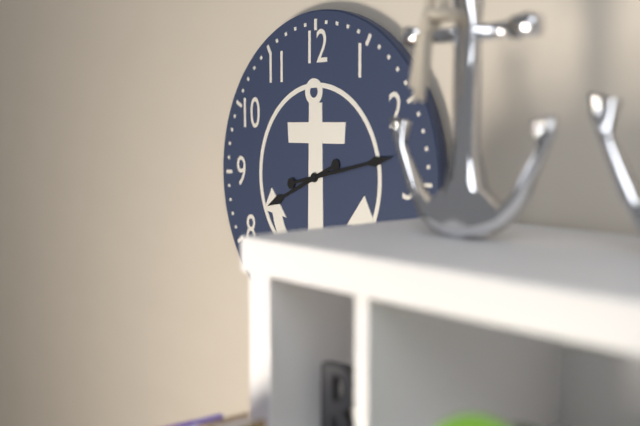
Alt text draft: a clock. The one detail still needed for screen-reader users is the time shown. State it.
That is 8:13
